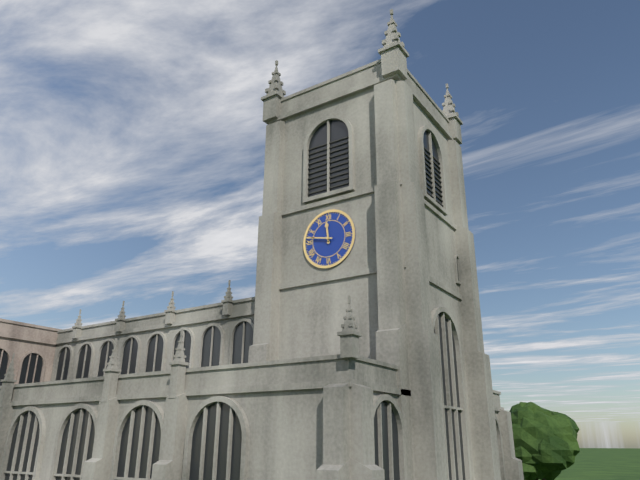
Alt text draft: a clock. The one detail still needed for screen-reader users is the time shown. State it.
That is 11:47
